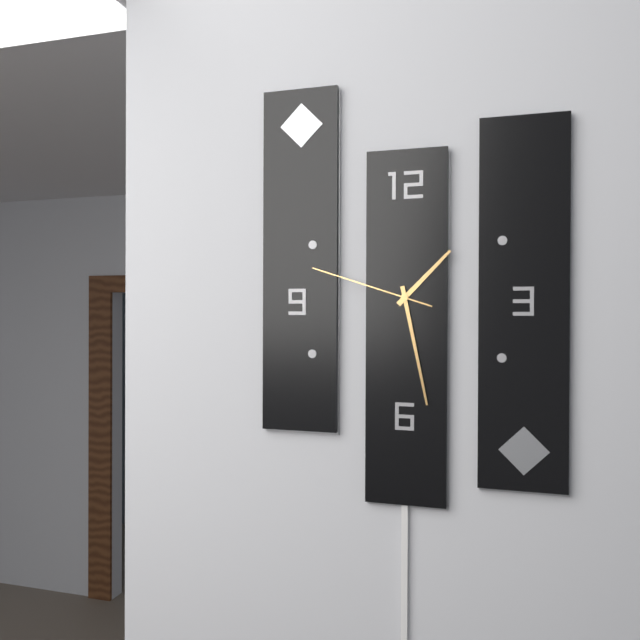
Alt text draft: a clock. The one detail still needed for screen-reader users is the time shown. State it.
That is 1:28:48
